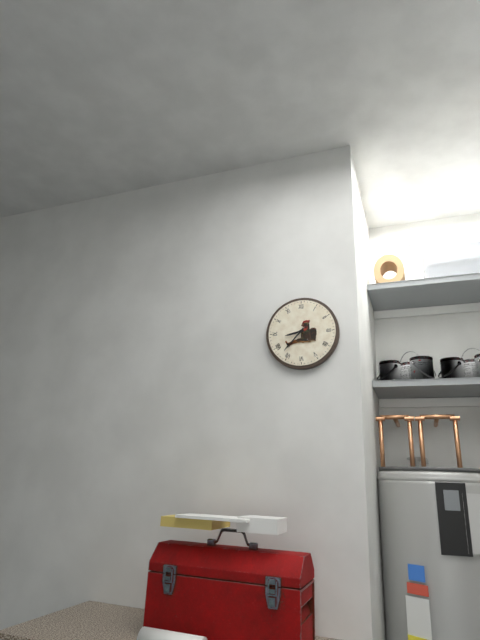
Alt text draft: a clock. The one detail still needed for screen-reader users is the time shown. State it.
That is 8:37
